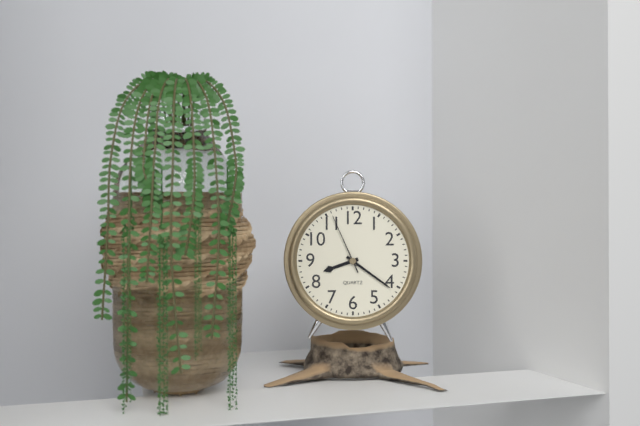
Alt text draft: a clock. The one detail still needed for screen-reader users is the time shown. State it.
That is 8:21:56
